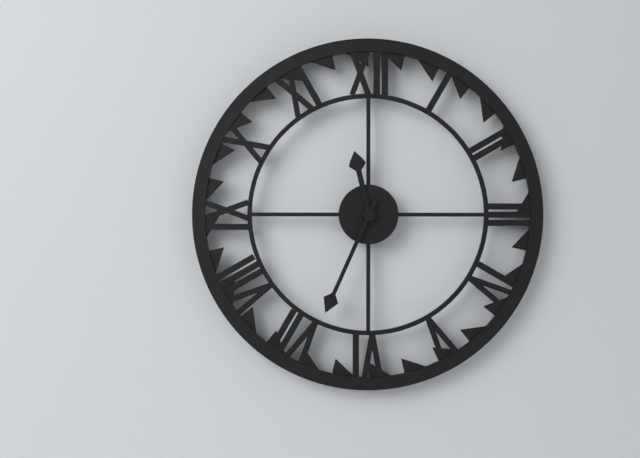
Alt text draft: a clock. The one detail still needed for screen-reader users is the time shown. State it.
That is 11:34
